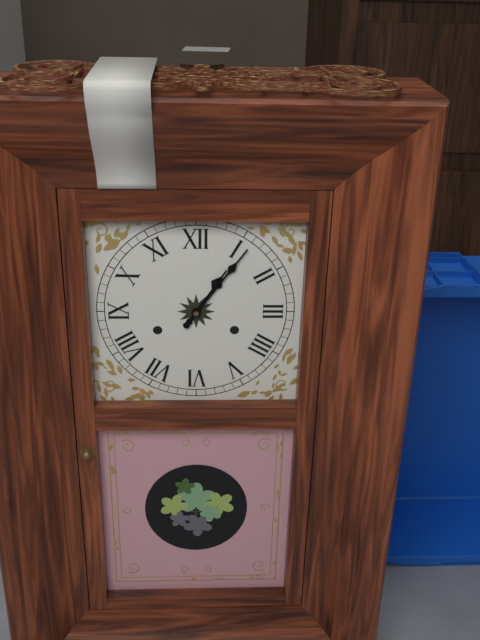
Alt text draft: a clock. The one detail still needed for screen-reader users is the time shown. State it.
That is 1:06
